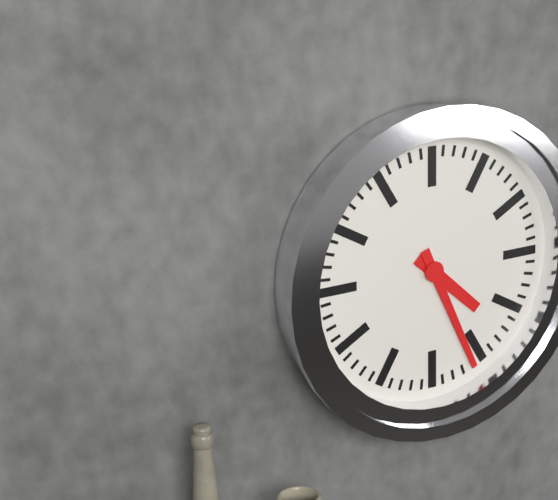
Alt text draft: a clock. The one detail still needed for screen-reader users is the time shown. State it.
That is 4:26
